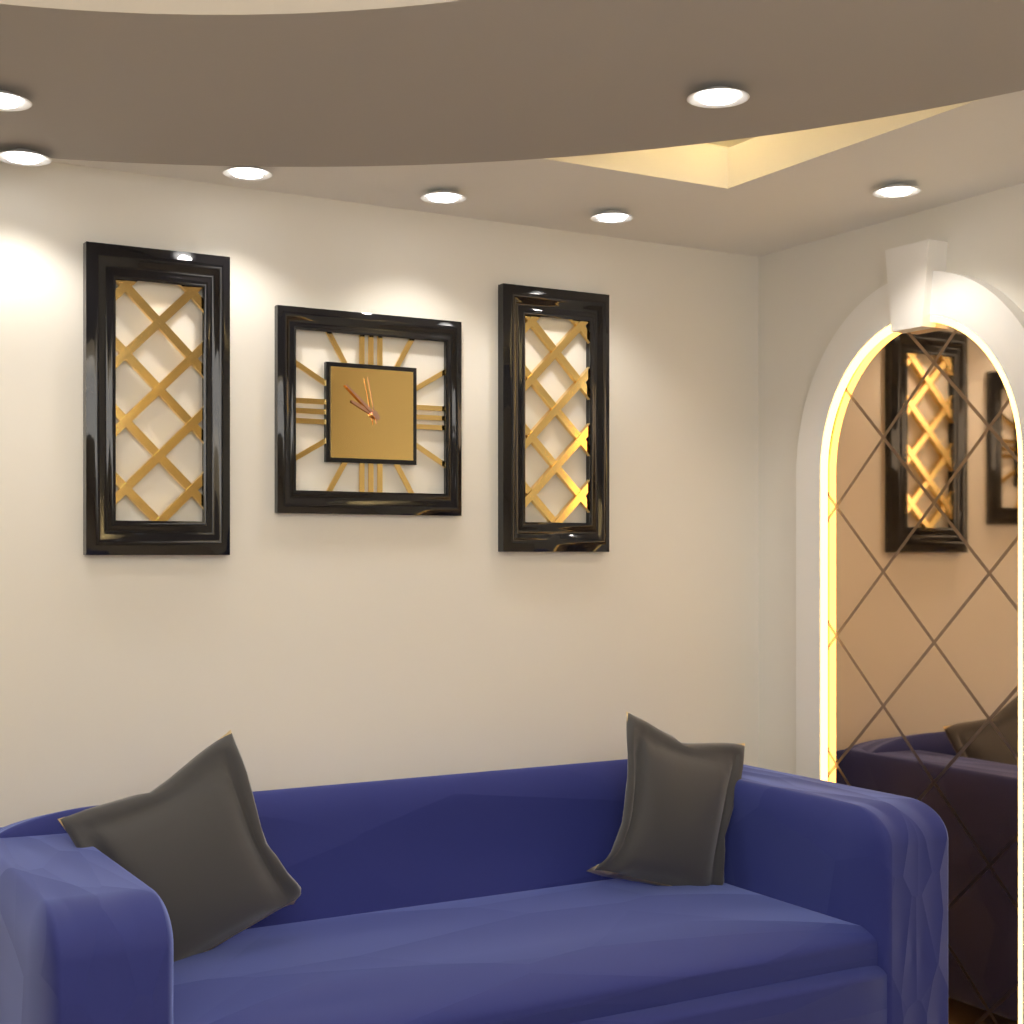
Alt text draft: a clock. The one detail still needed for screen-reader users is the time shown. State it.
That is 9:52
